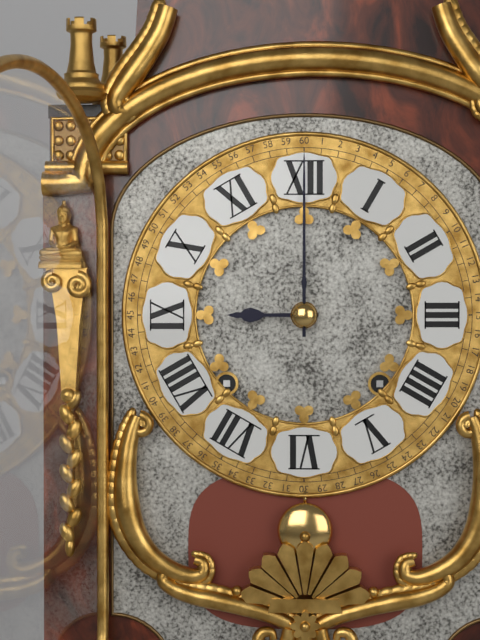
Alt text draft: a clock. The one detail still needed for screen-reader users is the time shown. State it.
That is 9:00
